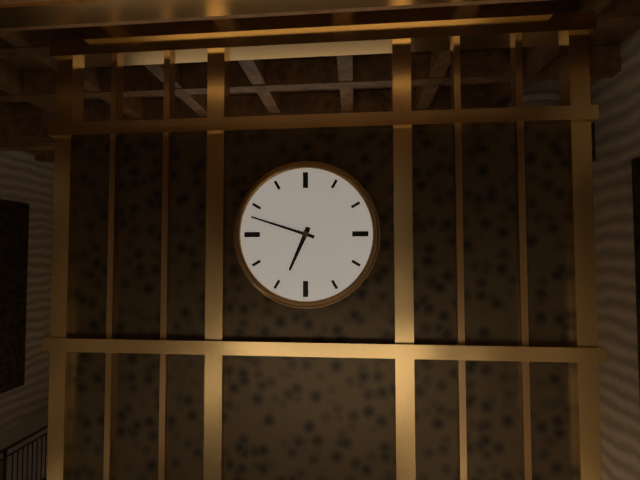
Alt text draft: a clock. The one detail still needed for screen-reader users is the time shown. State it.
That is 6:48
